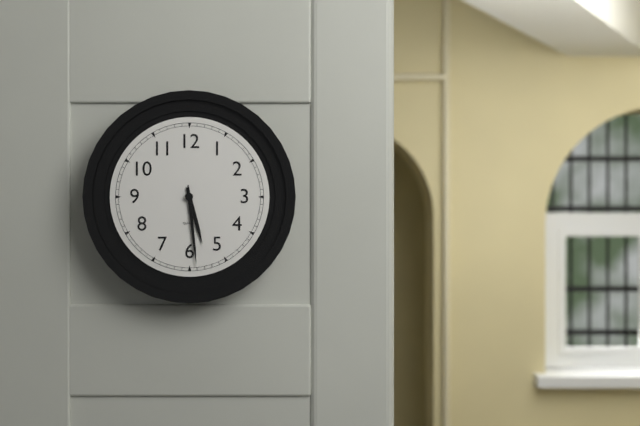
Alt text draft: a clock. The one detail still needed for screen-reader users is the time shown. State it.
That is 5:29
